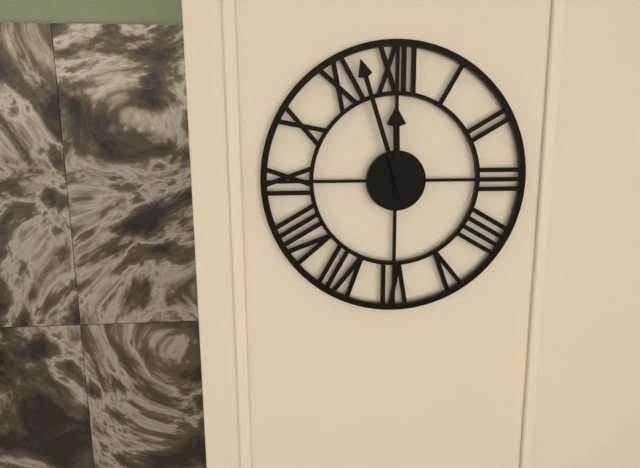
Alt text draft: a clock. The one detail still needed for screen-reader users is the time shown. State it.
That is 11:57
